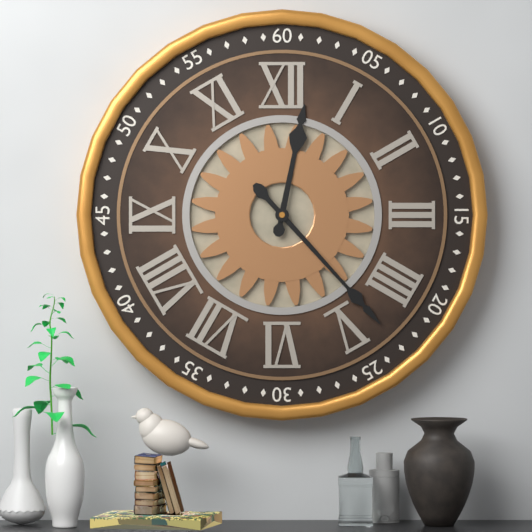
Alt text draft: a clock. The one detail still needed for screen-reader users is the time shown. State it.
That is 12:23
